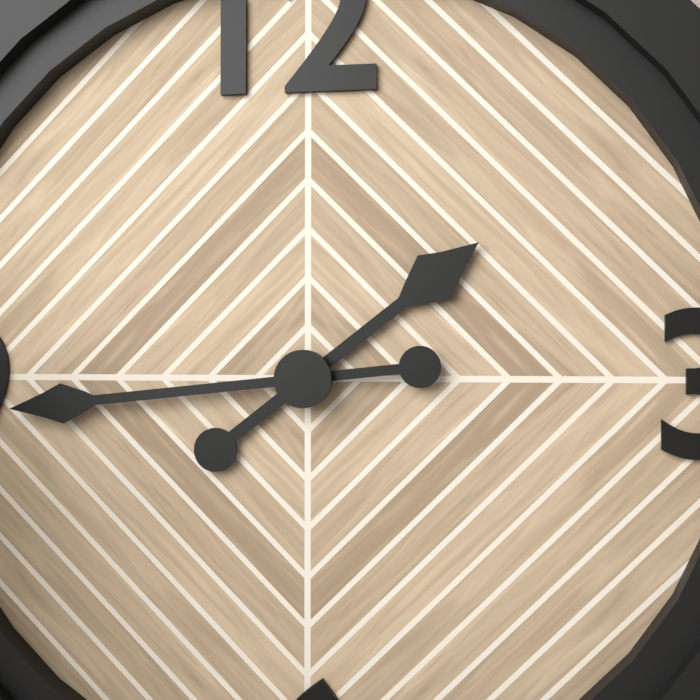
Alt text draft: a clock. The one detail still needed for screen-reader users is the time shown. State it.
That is 1:44
